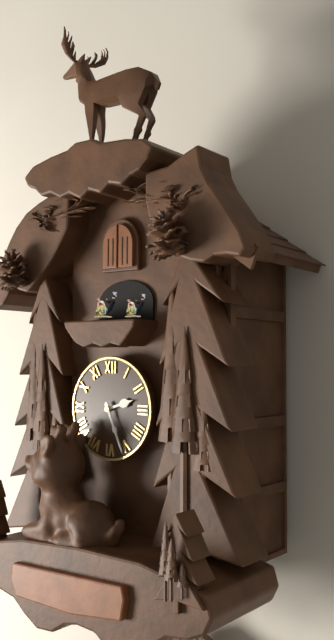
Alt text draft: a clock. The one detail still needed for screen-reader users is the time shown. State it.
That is 2:26
